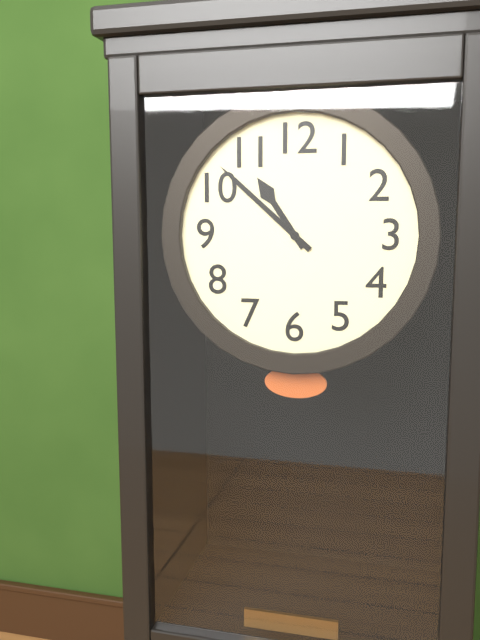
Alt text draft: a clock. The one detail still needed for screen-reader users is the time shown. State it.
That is 10:52
